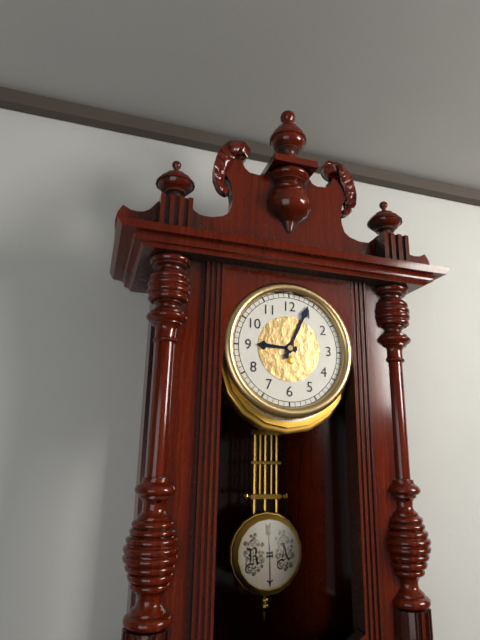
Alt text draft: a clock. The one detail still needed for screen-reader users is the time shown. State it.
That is 9:04
